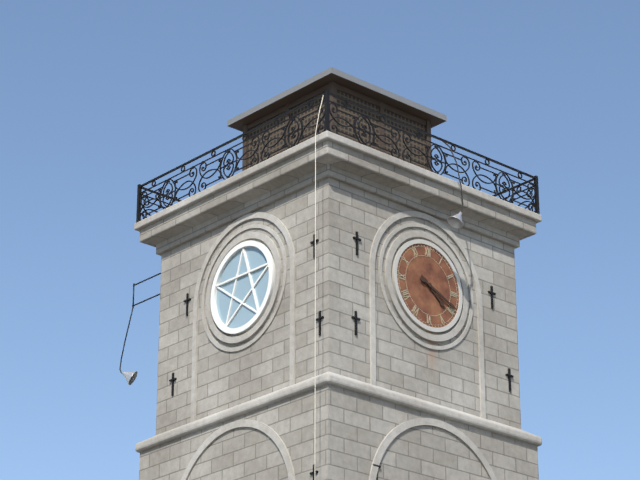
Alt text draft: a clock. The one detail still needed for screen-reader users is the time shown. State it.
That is 4:19
